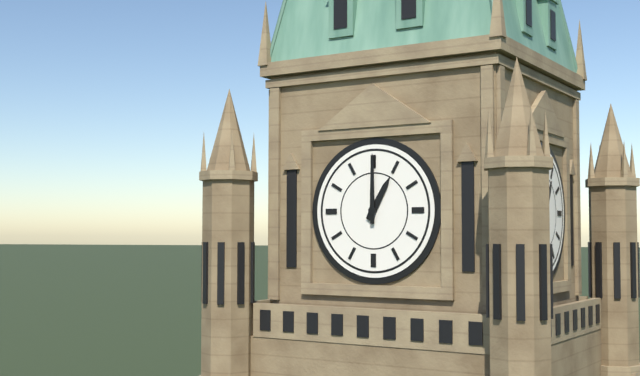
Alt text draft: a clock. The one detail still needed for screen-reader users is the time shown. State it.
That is 1:00
